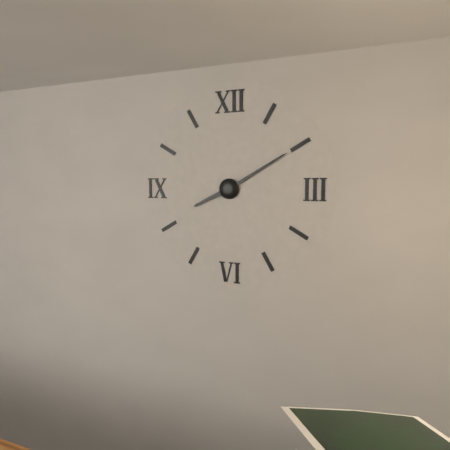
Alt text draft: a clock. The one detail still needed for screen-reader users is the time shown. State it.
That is 8:10
